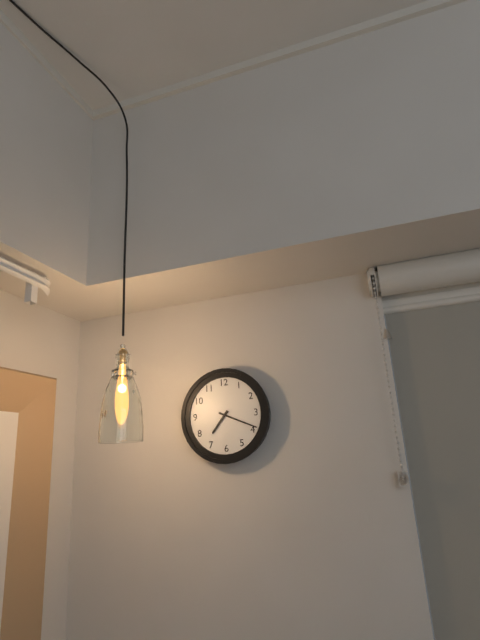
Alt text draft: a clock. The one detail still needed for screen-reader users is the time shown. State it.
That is 7:19
